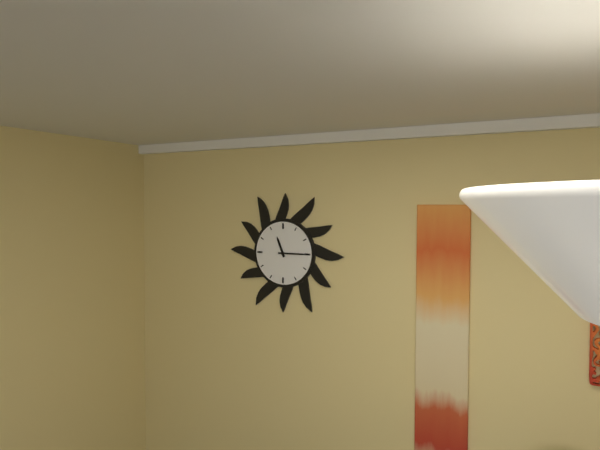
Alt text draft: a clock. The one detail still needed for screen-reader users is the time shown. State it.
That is 11:15
